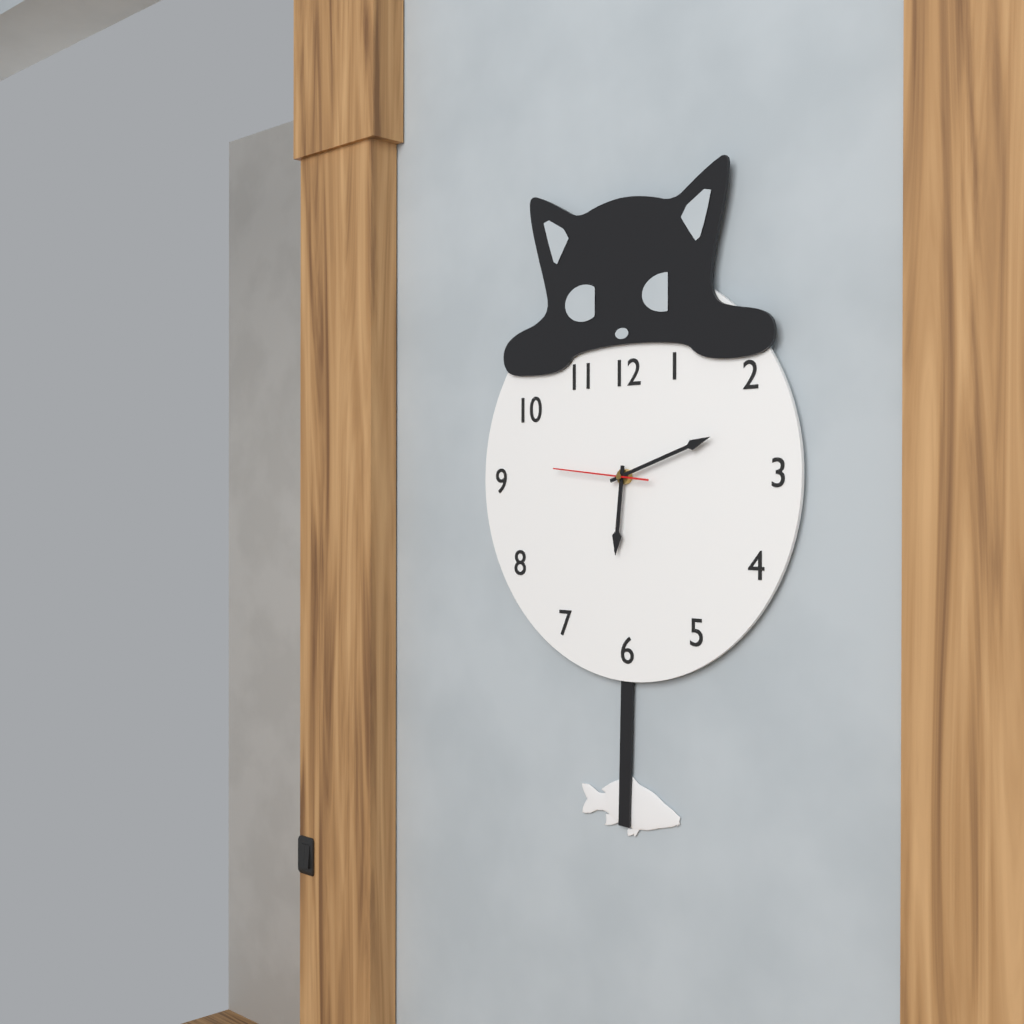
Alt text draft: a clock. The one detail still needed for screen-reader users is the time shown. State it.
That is 6:12:46
